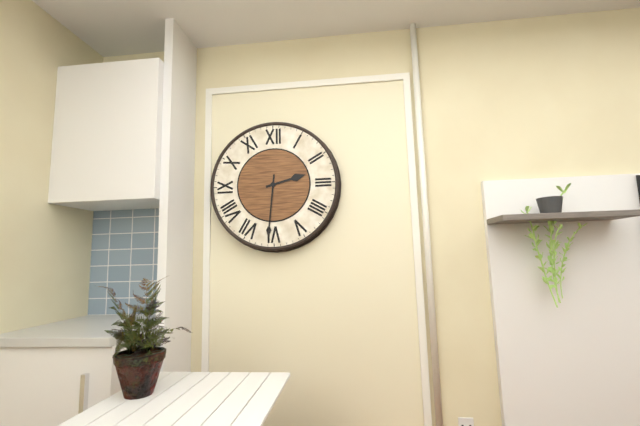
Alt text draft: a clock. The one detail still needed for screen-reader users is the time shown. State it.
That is 2:31
